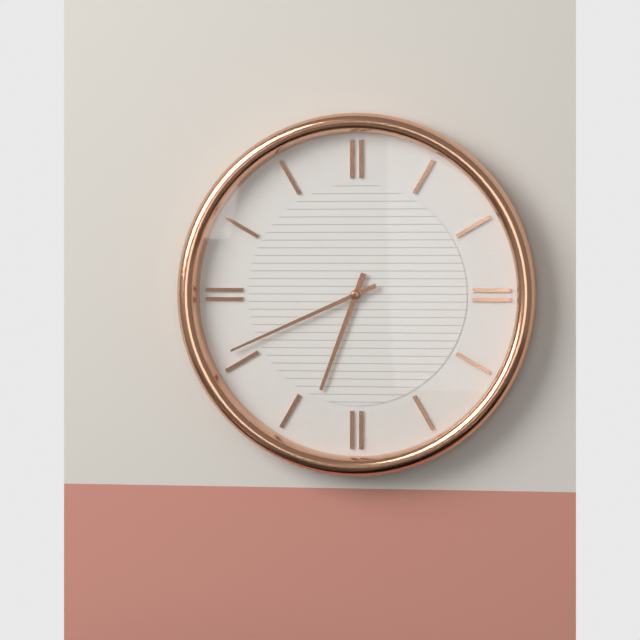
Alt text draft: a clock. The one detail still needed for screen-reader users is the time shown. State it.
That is 6:41
